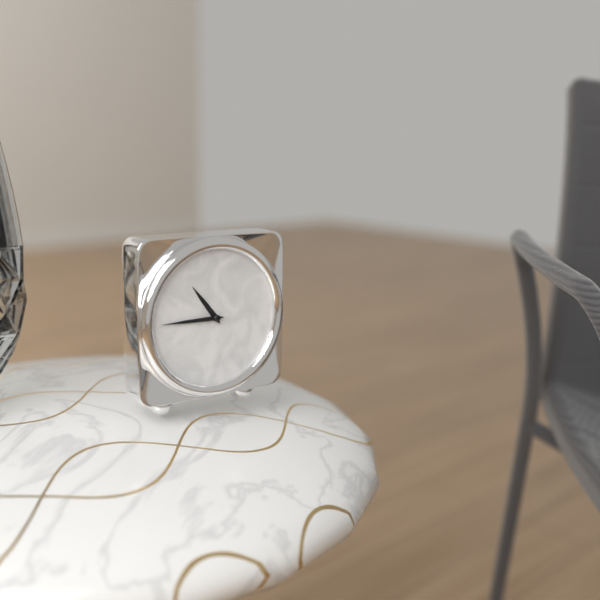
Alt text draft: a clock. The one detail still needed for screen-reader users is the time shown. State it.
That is 10:45
